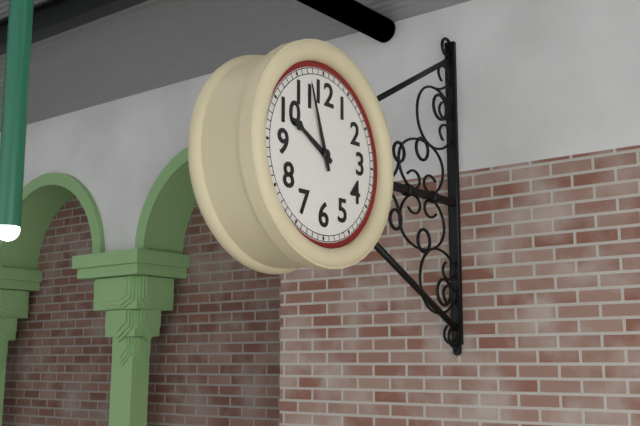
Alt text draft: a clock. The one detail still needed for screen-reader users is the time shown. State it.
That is 9:57
